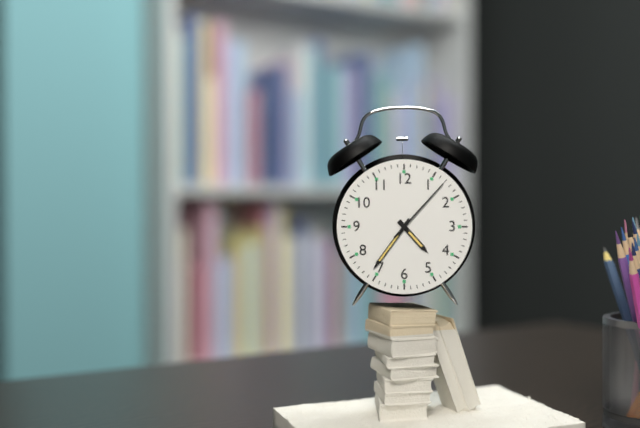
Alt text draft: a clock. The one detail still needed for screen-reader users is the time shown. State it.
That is 4:36:07
